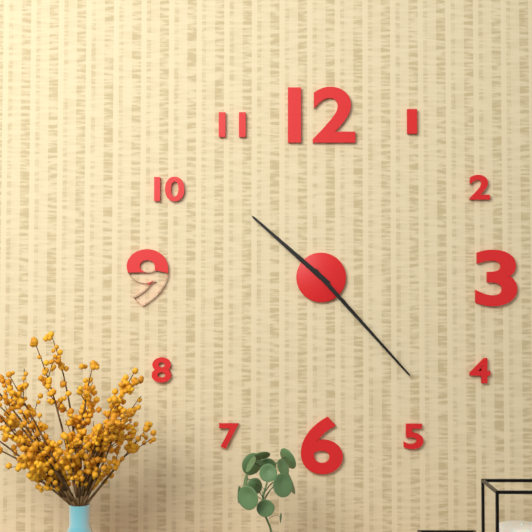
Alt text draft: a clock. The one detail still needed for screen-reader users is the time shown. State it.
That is 10:23
